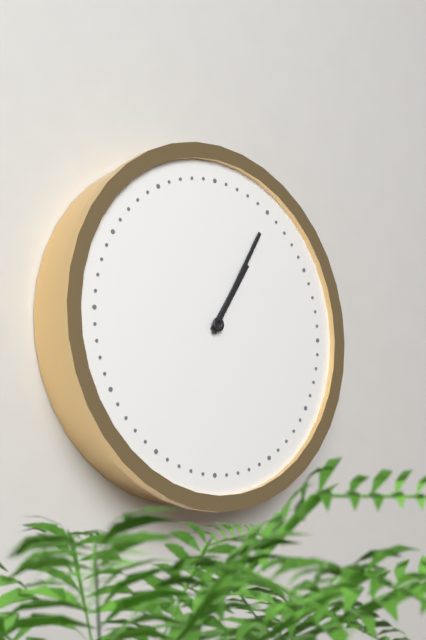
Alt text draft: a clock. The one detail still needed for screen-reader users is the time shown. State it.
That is 1:05
